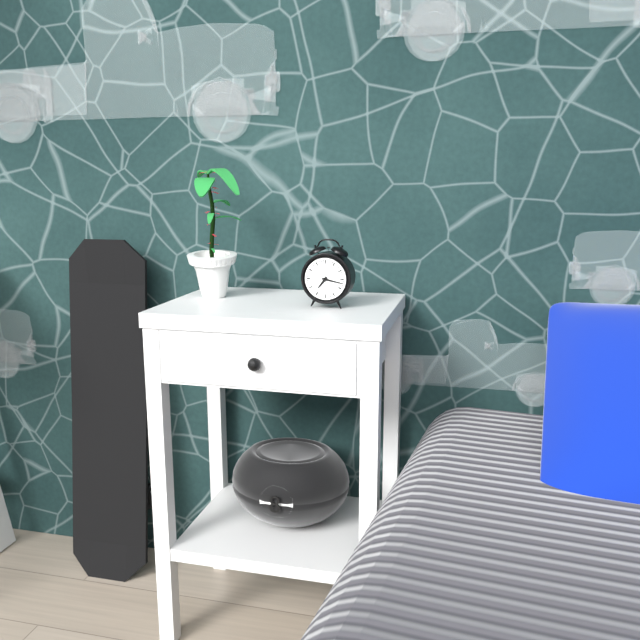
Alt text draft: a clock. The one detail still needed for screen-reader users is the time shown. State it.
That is 7:17
